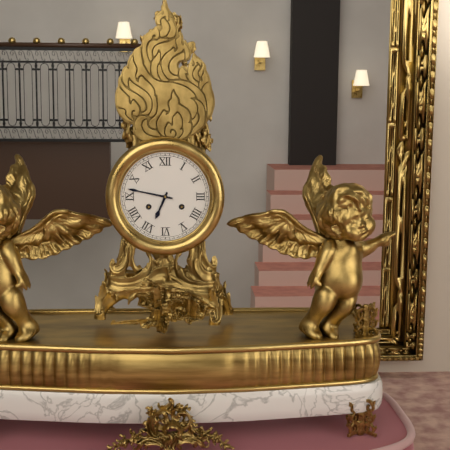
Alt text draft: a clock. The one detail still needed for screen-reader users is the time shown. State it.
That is 6:47
